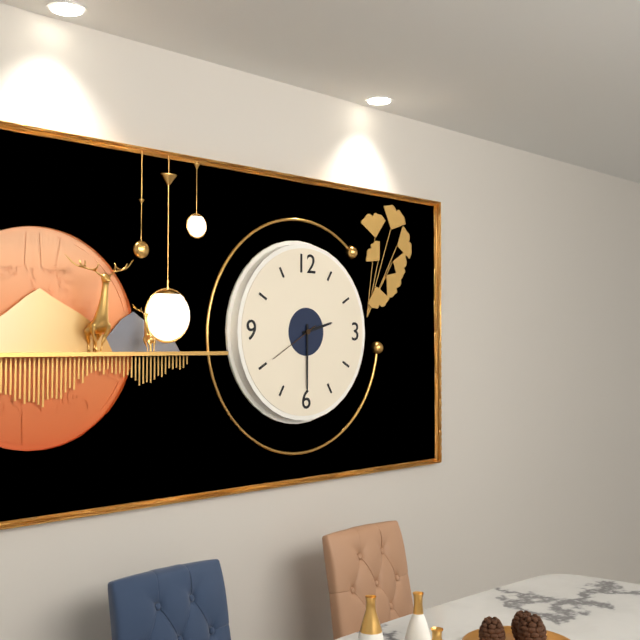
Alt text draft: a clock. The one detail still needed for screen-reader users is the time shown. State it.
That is 2:30:40
